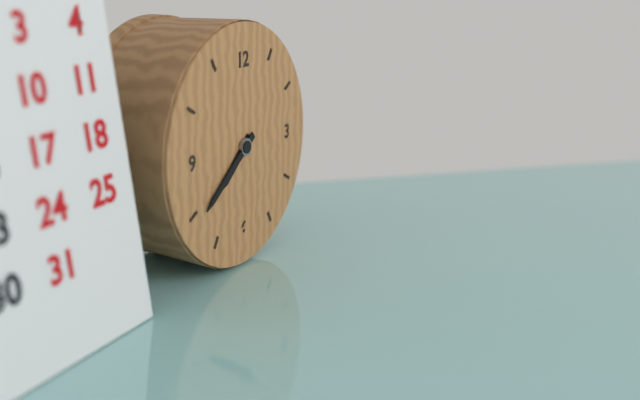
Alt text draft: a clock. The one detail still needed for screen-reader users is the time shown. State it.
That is 7:39
